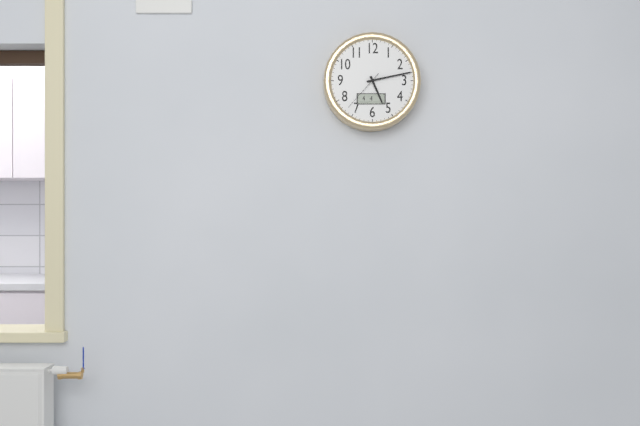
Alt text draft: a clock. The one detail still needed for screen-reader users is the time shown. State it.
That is 5:13
